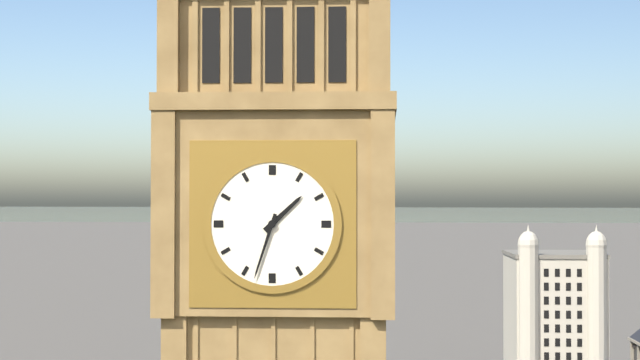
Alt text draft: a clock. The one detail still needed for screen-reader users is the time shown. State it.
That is 1:33
